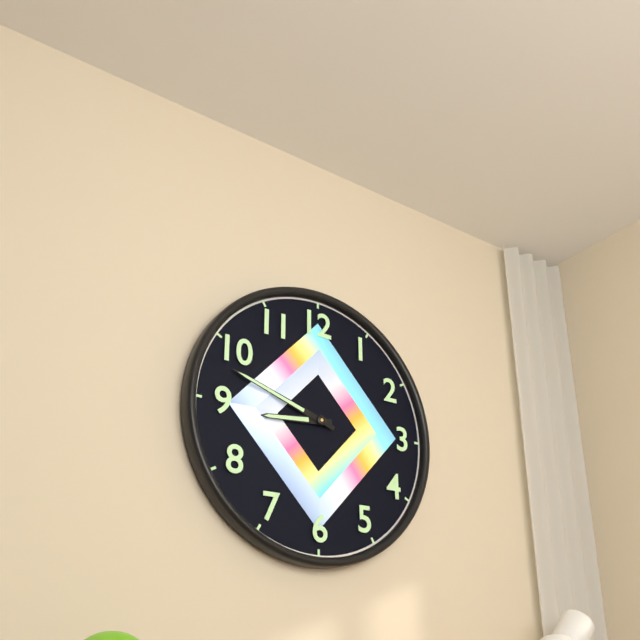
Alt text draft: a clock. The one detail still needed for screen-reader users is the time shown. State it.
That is 8:48
